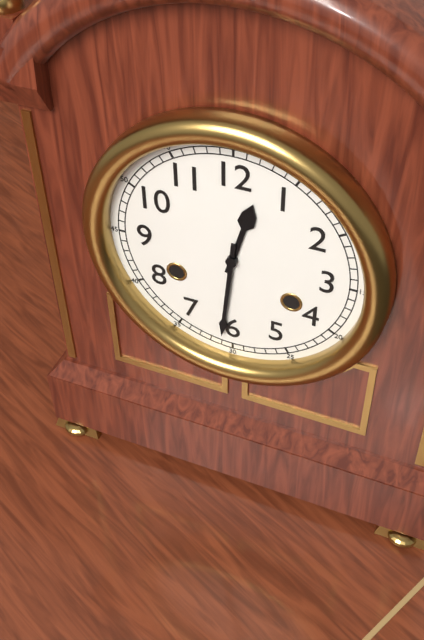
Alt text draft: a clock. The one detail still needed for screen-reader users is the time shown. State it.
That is 12:31
